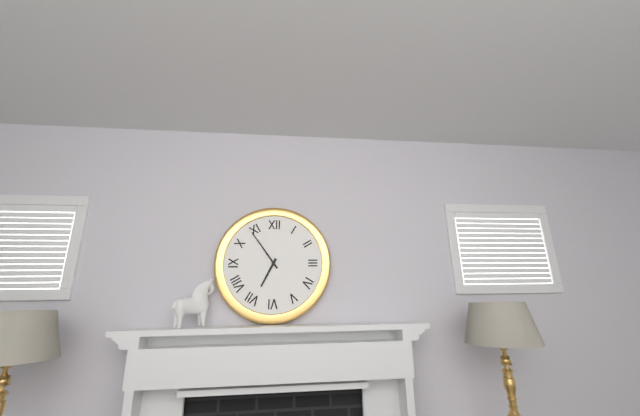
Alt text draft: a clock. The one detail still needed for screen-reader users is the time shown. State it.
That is 6:54
